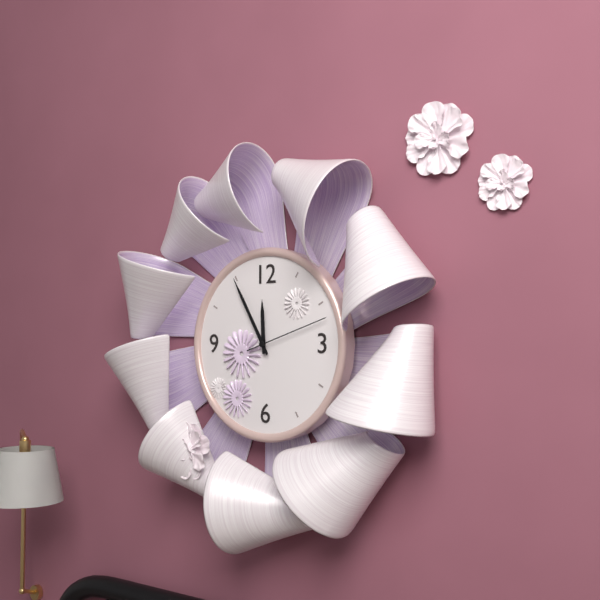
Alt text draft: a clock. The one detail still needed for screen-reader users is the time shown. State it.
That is 11:55:12
